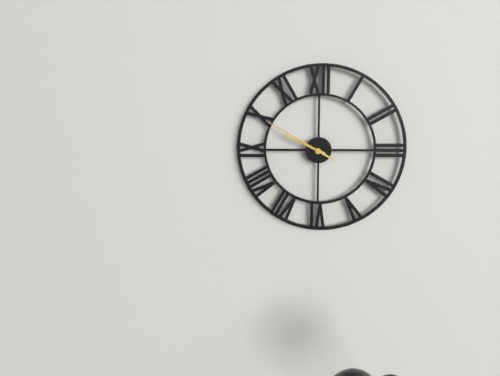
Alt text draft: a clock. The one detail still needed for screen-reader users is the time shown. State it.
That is 9:50
